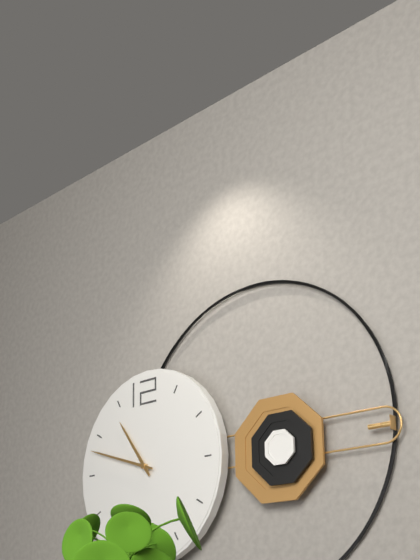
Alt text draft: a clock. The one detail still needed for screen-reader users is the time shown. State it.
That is 10:48
